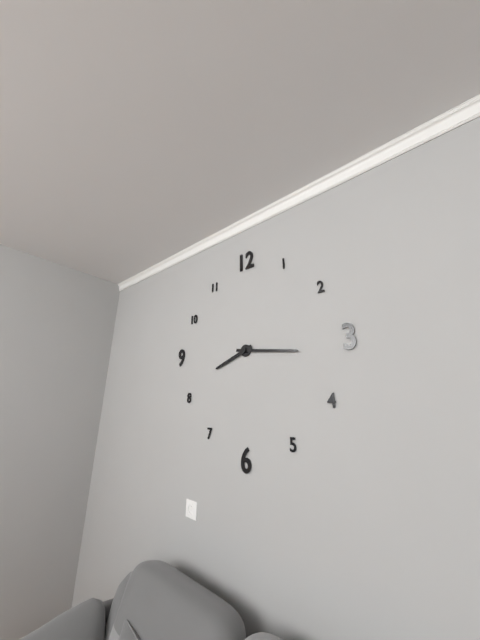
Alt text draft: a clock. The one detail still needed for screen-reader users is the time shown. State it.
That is 8:16
